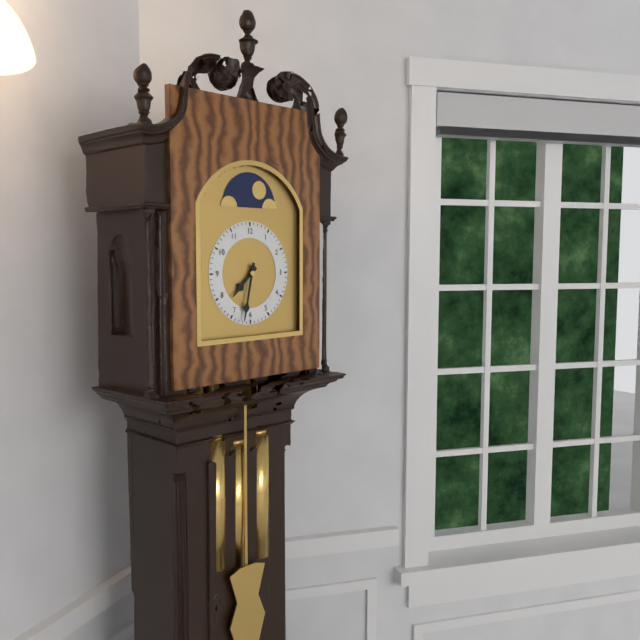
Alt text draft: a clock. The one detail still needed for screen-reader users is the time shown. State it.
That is 7:32
